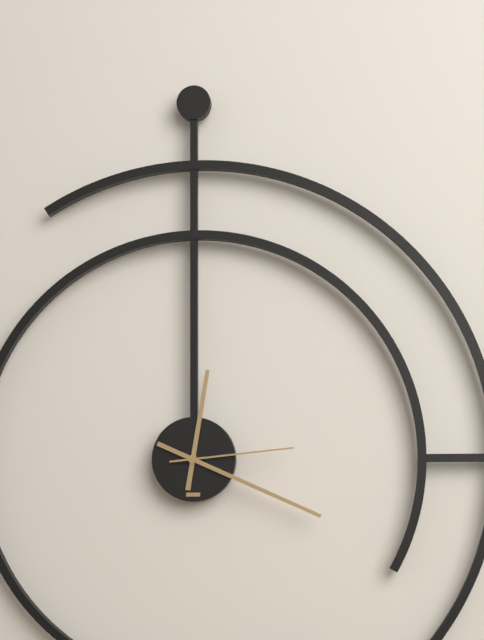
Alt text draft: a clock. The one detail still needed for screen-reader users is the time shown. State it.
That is 12:19:14
